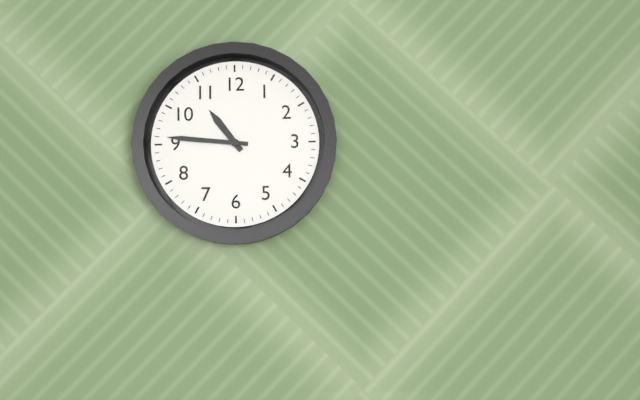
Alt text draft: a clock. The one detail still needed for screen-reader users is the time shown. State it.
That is 10:46
